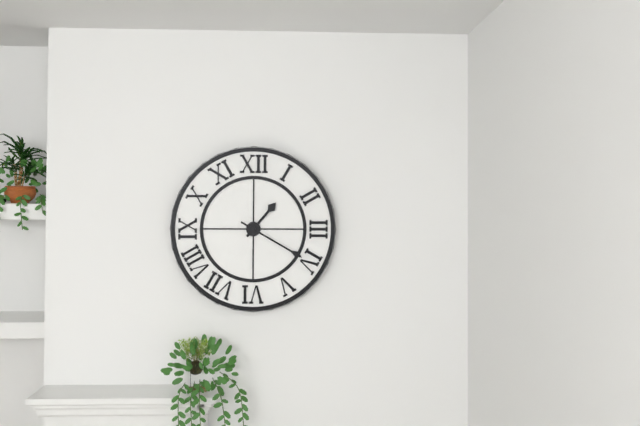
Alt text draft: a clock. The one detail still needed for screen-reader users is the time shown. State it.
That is 1:20
